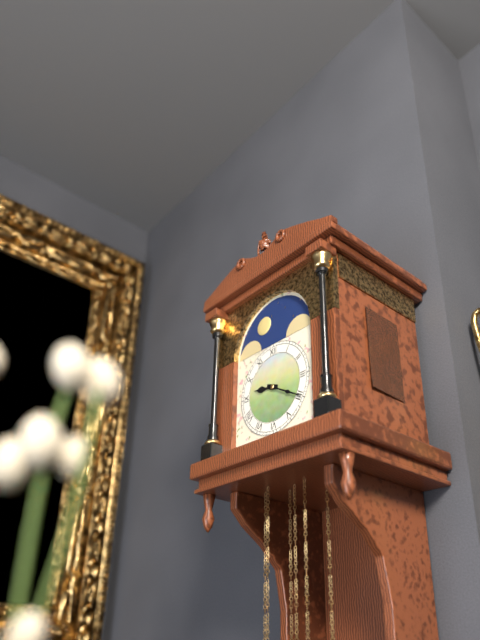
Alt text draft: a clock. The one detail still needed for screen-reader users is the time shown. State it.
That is 9:20
